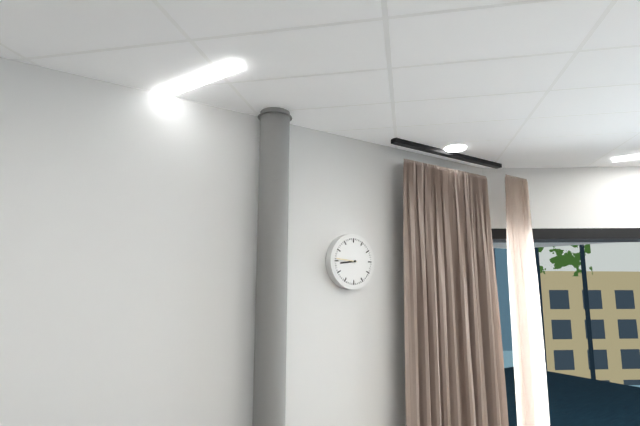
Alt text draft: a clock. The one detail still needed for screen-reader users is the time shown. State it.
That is 8:46
